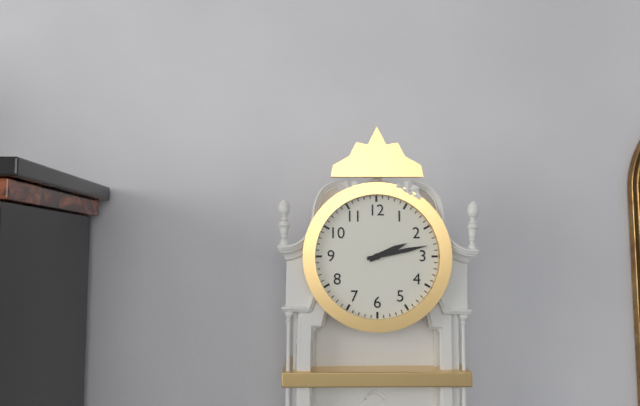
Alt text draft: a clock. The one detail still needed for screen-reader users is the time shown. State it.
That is 2:13
